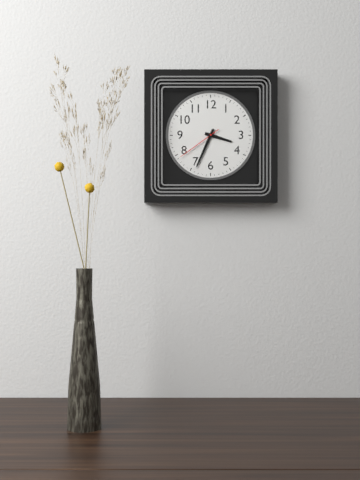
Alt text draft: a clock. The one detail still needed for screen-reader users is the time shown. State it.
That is 3:34
